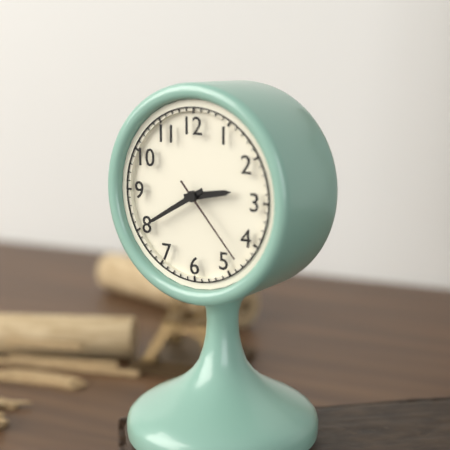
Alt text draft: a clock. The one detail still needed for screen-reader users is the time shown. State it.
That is 2:40:23
